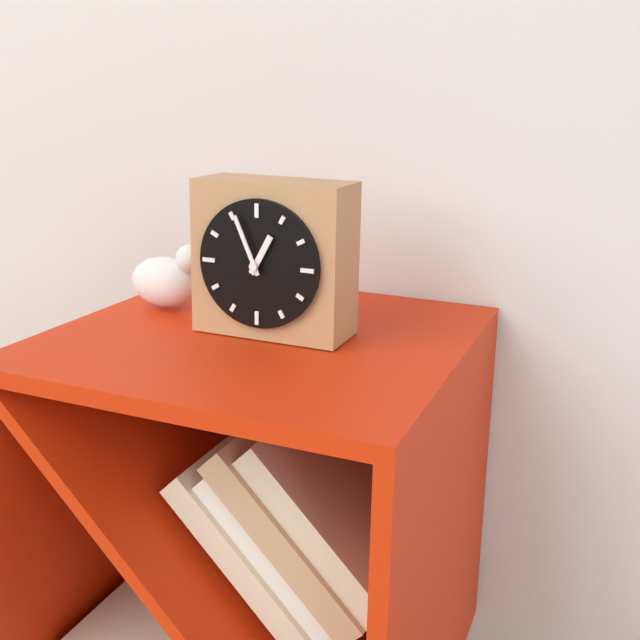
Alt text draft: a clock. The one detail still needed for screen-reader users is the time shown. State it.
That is 12:56
